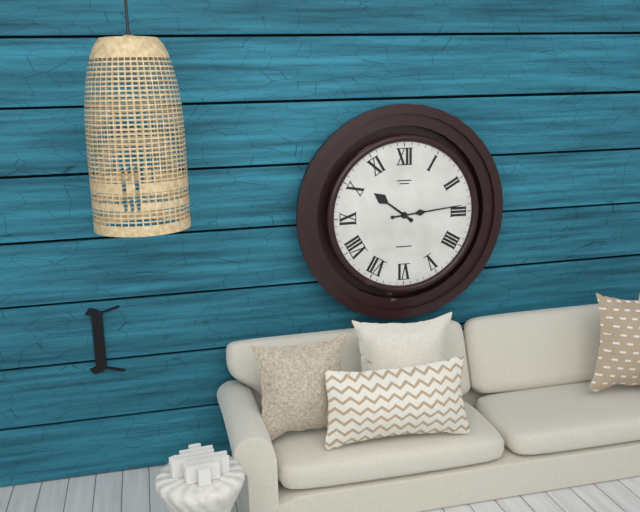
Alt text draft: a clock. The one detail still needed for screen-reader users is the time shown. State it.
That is 10:14
